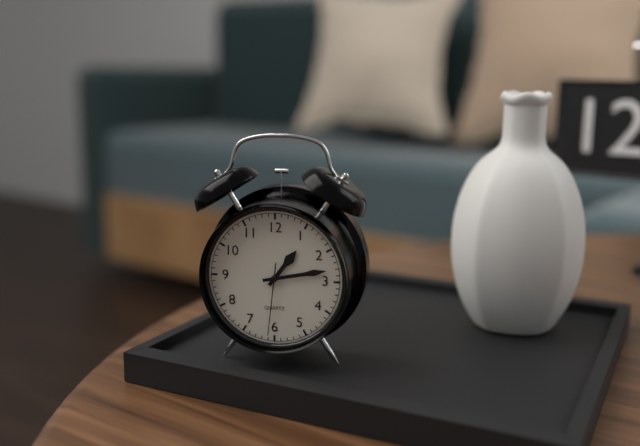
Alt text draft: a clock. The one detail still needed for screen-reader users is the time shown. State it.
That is 1:13:31
